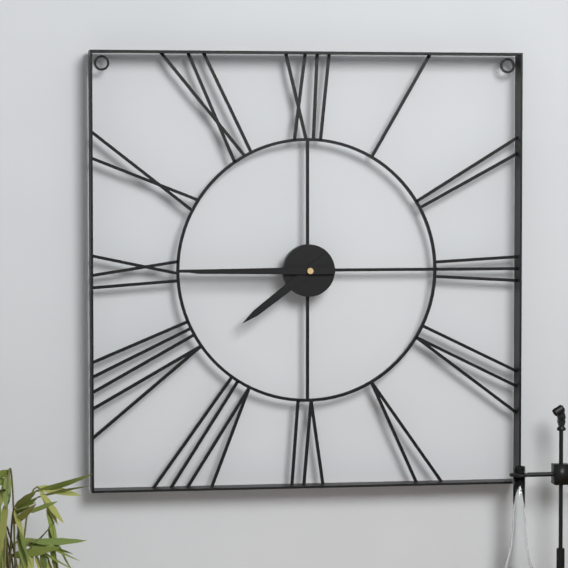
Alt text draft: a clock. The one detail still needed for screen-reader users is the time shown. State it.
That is 7:45
